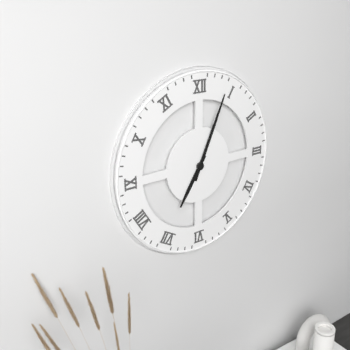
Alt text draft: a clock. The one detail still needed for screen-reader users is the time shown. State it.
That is 7:04
